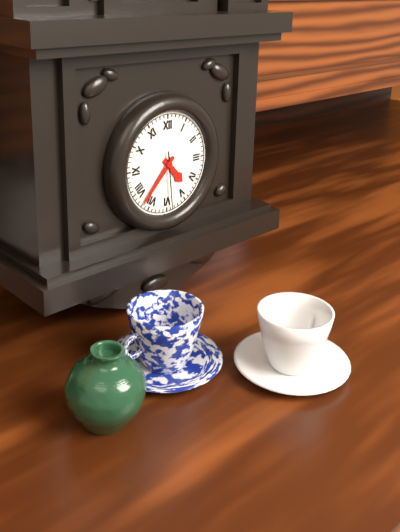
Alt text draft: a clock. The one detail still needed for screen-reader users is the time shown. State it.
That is 4:37:29
